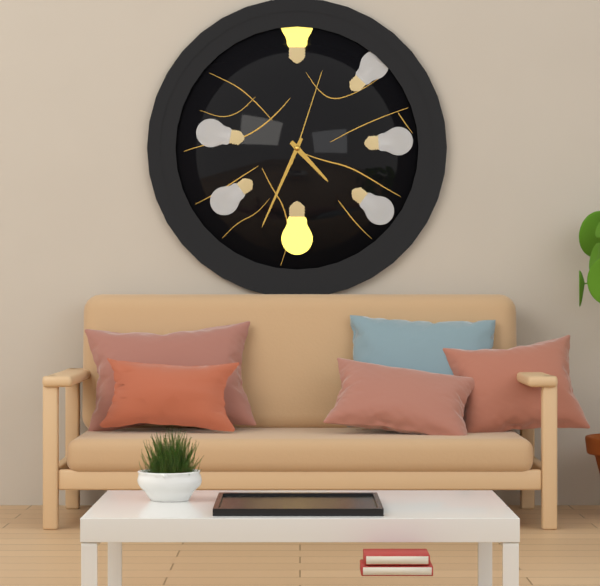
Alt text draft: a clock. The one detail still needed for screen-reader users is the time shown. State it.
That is 4:34:03
